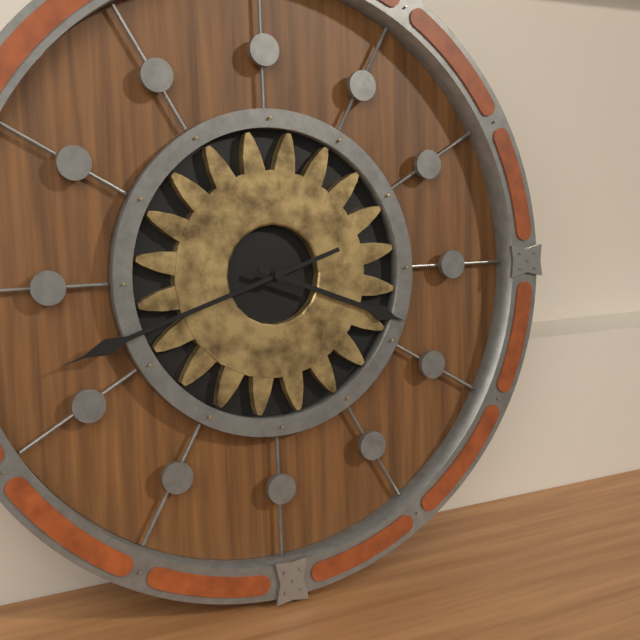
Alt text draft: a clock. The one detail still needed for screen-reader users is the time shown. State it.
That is 3:42
